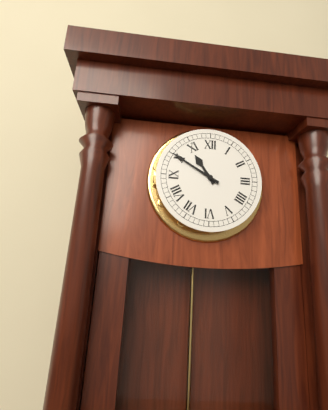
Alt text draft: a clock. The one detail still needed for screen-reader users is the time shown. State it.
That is 10:50
